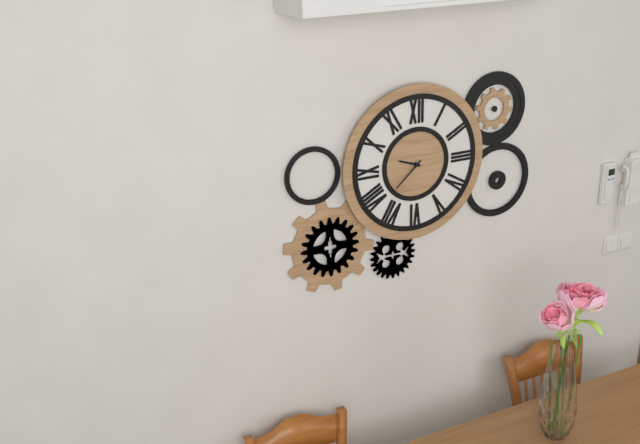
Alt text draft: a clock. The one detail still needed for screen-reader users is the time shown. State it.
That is 9:38
